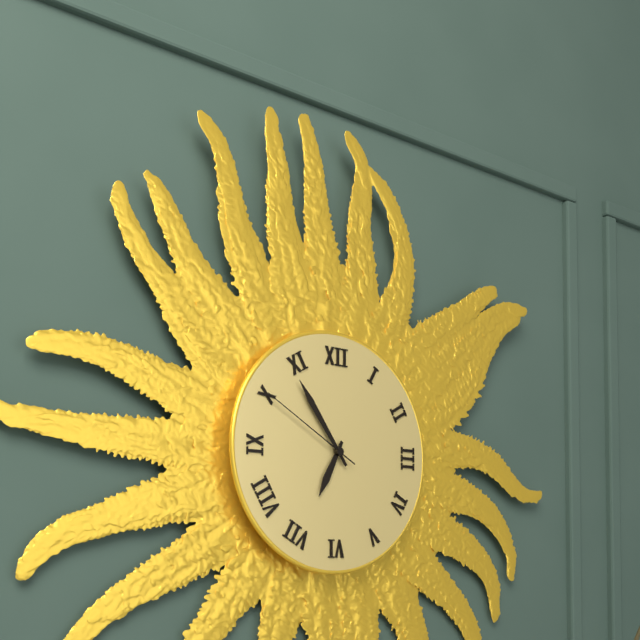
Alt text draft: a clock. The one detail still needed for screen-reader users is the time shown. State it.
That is 6:54:50
